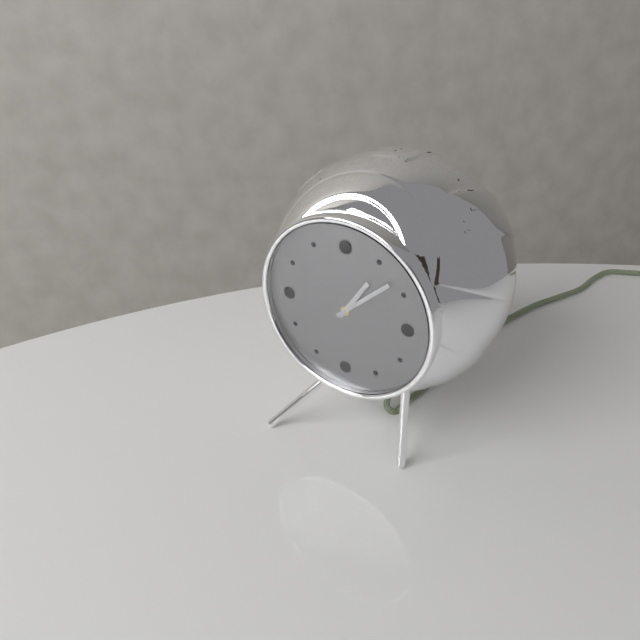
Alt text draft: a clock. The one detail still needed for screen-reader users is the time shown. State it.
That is 1:08
